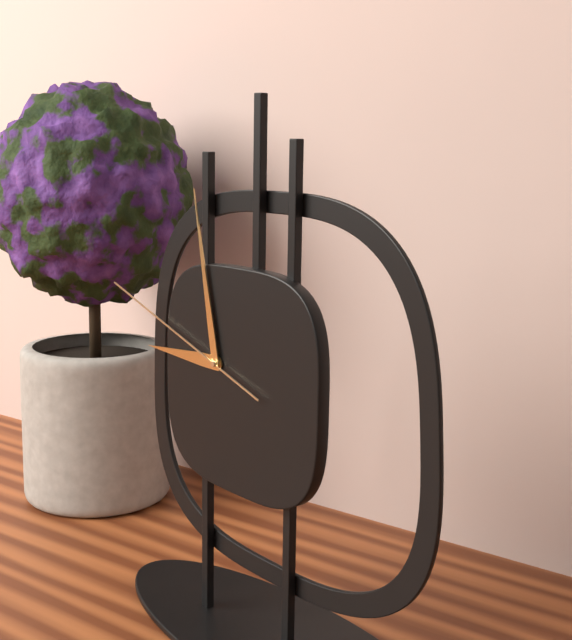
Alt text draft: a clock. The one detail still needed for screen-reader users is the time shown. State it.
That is 8:58:48
